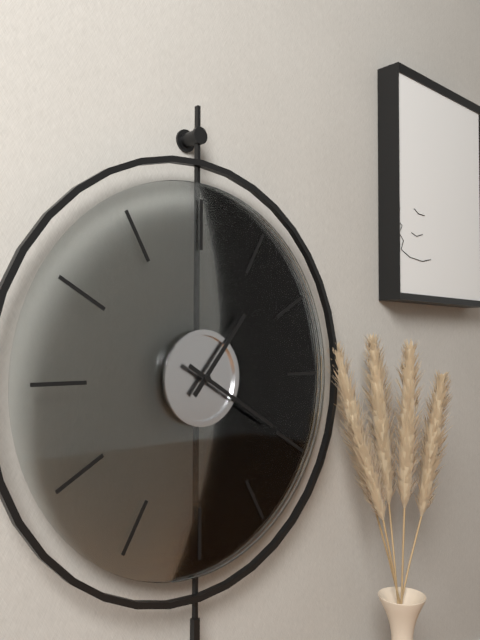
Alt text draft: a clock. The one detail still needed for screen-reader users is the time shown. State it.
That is 1:20
